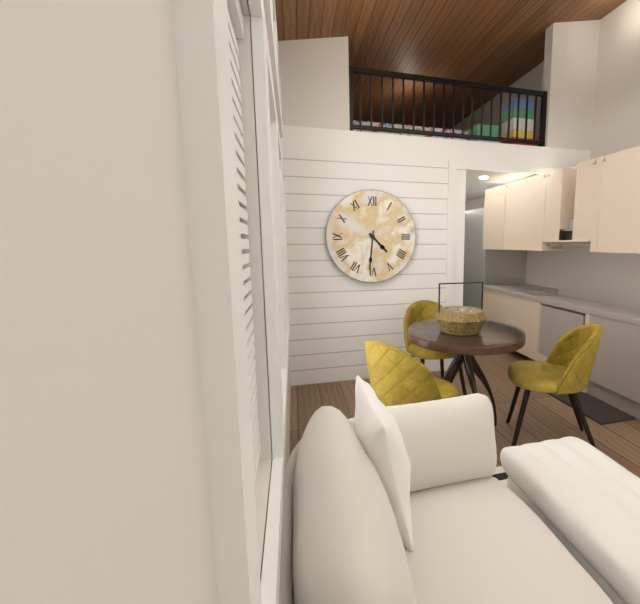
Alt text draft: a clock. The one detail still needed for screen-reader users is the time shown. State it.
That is 4:31
